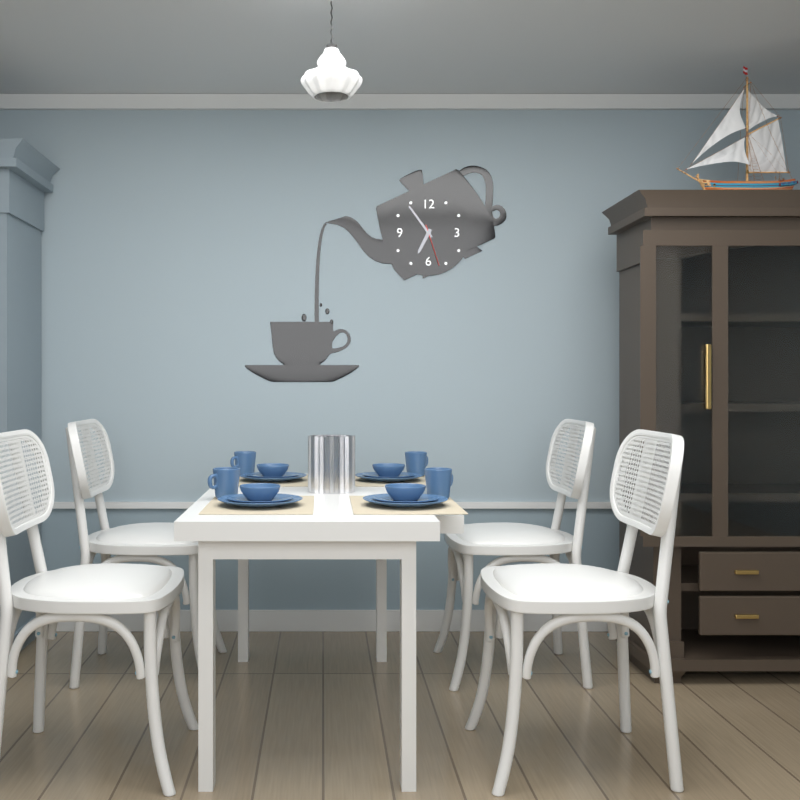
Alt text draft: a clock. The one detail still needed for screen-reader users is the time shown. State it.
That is 6:54
